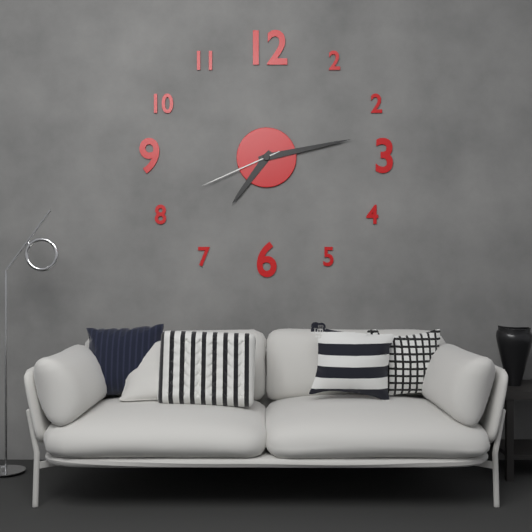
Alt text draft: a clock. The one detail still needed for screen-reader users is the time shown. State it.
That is 7:13:41
